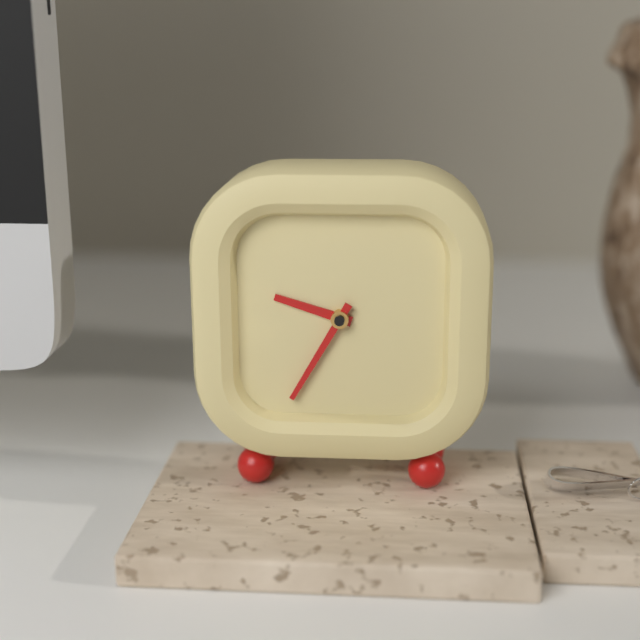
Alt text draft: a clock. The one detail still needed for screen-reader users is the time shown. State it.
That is 9:35
